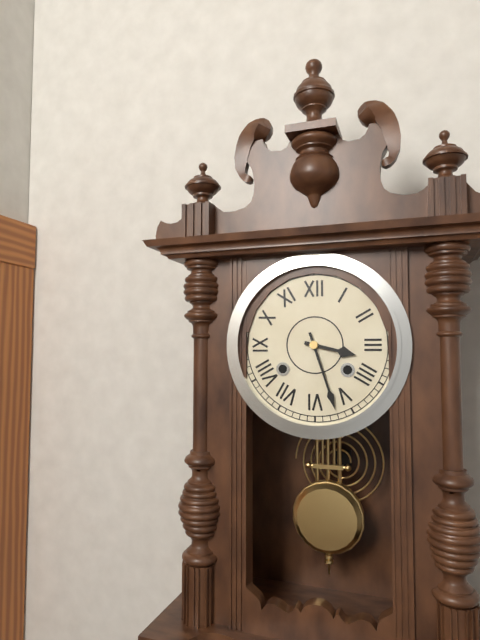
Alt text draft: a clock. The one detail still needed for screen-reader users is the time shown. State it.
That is 3:27
